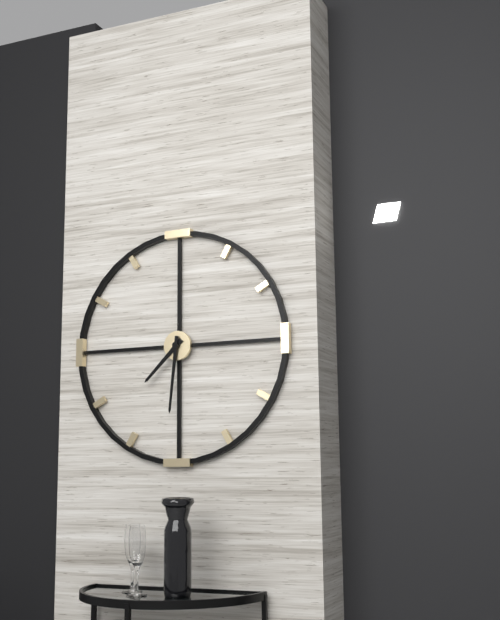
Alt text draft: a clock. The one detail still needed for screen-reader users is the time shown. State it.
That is 7:31
